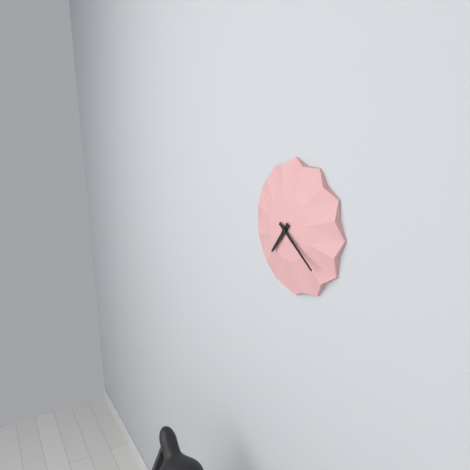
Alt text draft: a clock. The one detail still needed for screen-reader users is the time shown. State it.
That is 7:21
